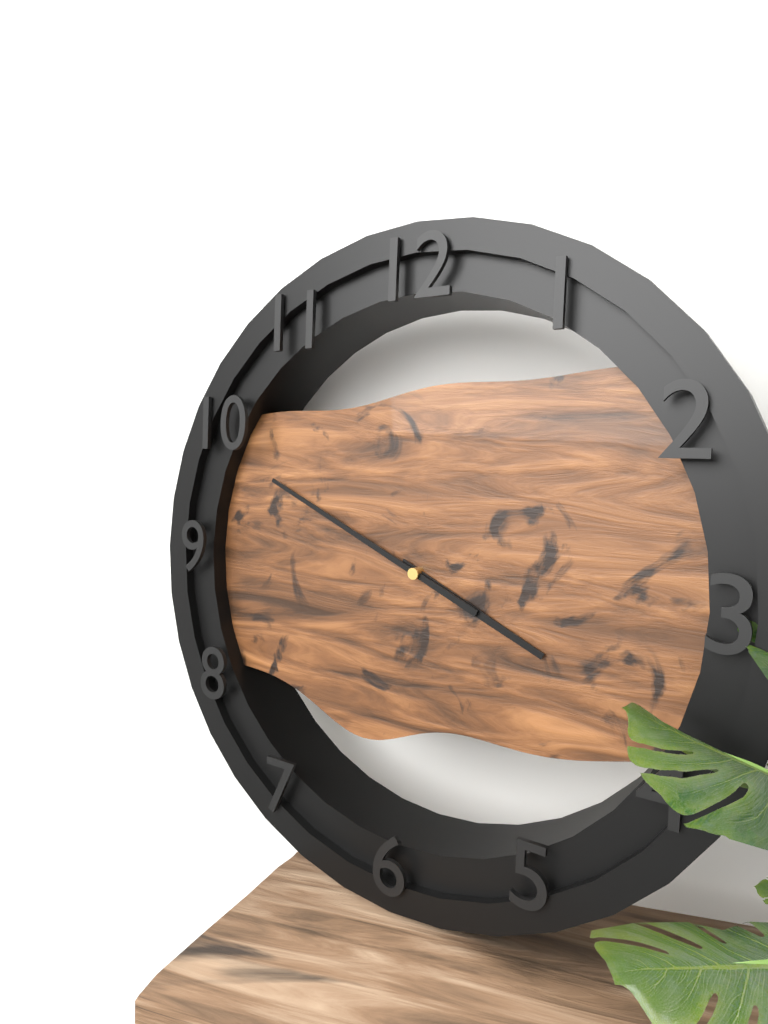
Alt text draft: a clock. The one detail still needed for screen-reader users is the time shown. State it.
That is 3:49
